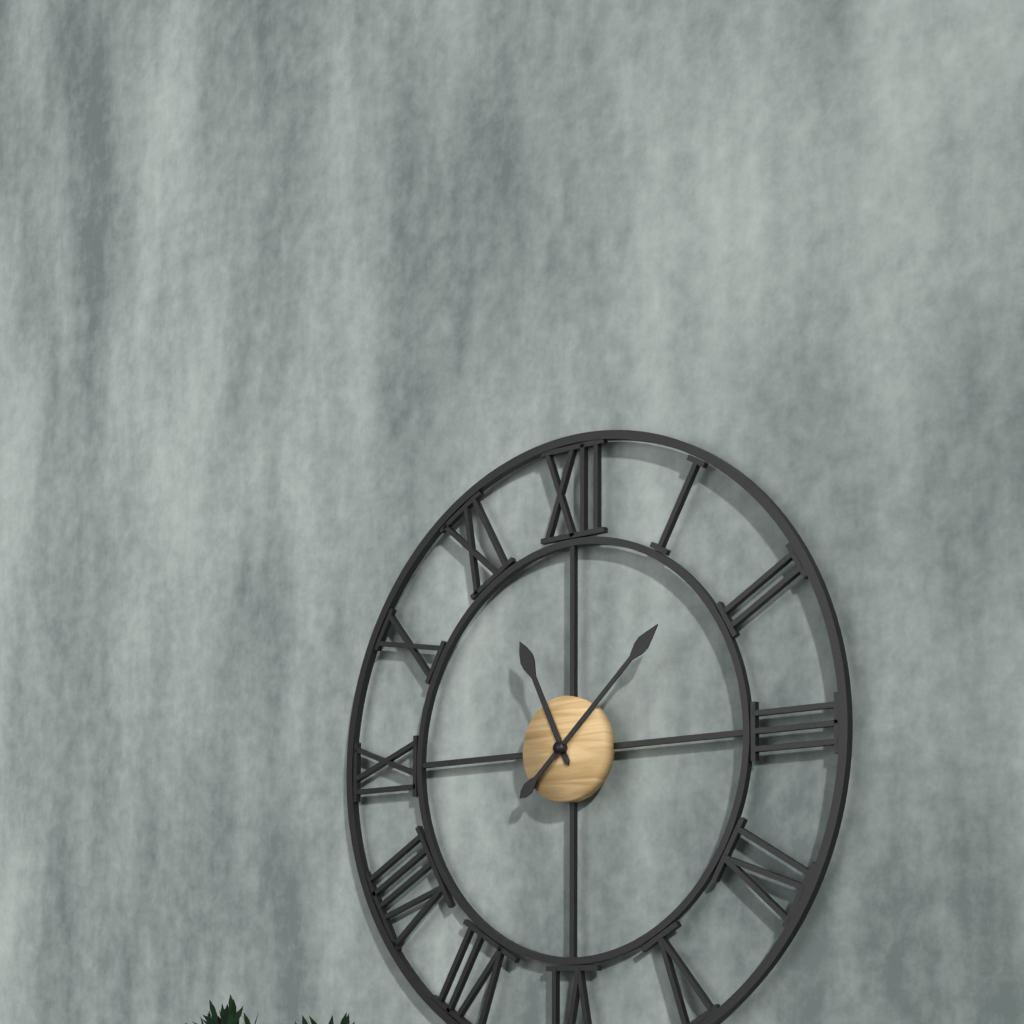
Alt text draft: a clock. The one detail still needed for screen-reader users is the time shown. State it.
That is 11:08
